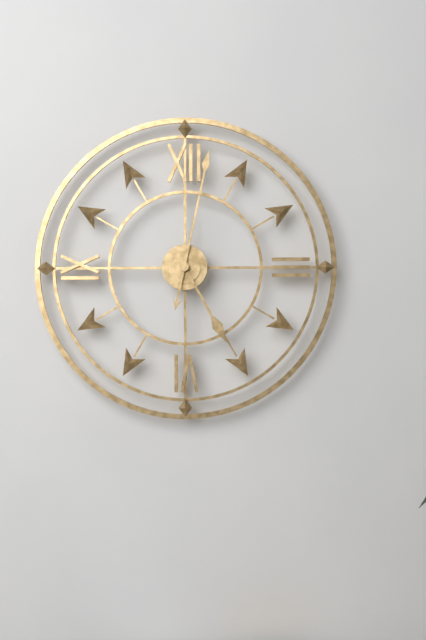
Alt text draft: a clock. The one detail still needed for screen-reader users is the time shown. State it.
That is 5:02
